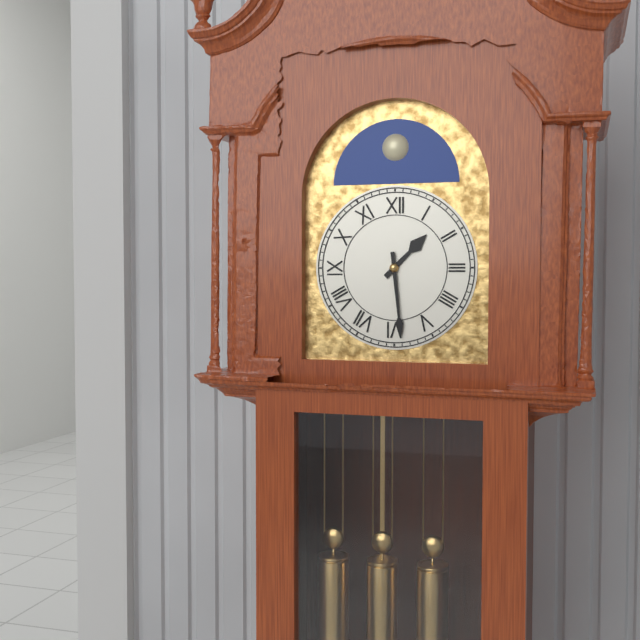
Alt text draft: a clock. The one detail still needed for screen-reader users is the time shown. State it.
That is 1:29
